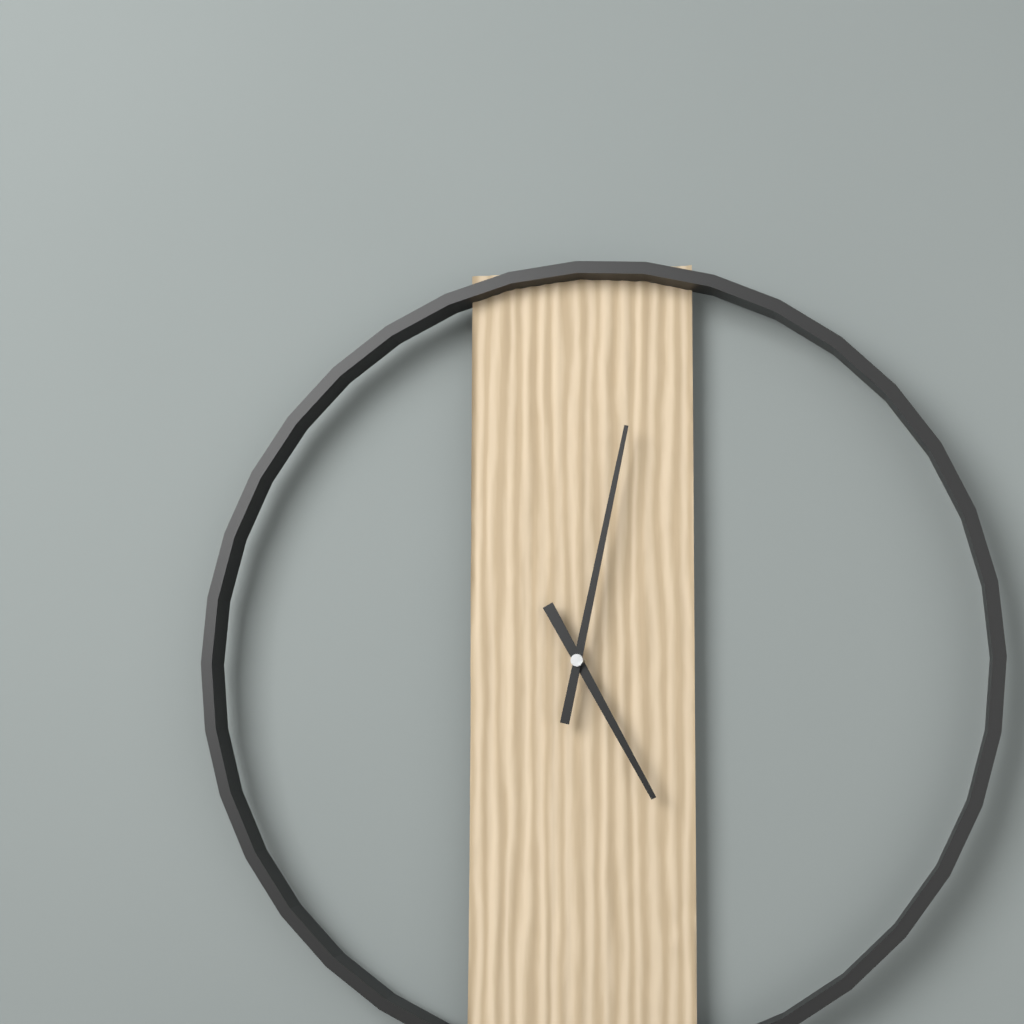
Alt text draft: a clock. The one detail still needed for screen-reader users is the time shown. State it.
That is 5:02
